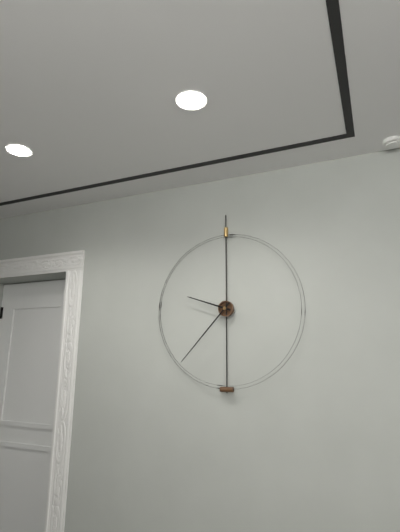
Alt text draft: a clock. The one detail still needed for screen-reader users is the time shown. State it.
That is 9:37
